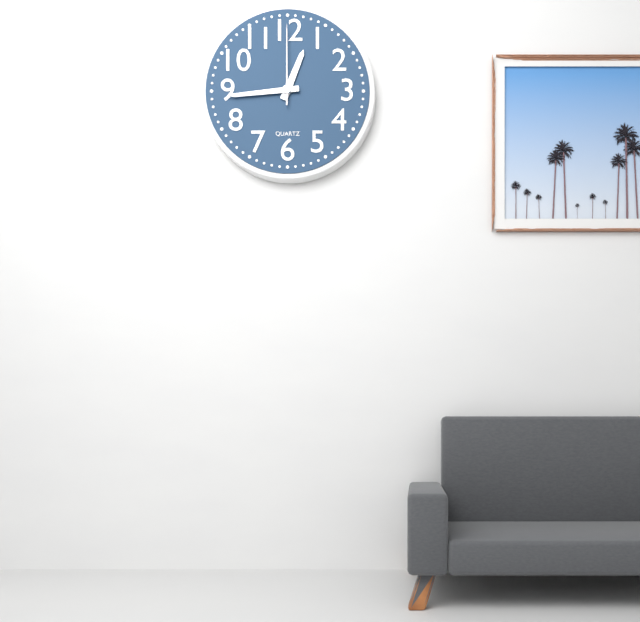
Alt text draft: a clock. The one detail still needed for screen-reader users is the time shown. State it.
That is 12:44:00
